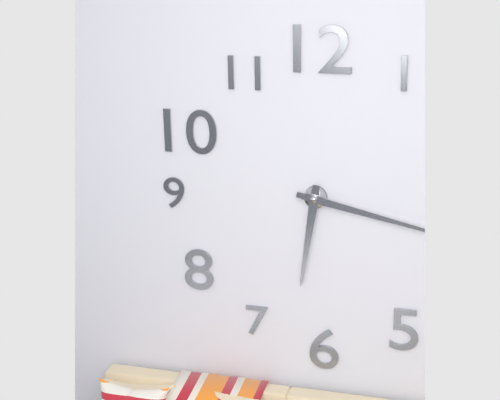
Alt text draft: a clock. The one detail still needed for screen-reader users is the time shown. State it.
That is 6:17
